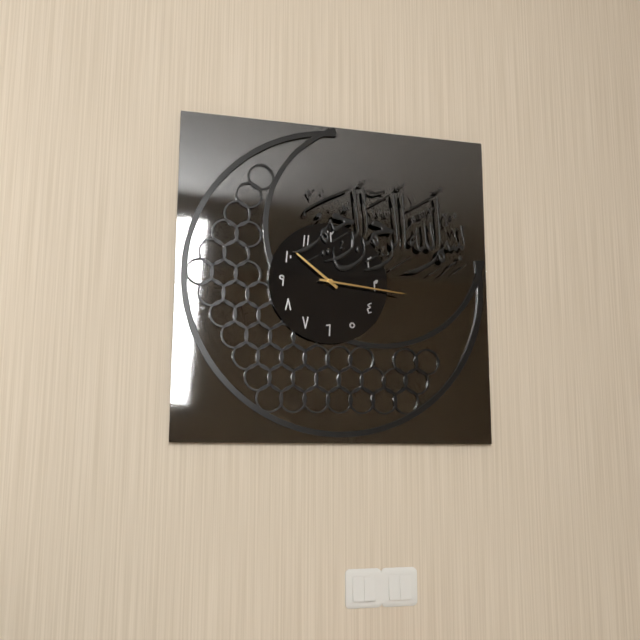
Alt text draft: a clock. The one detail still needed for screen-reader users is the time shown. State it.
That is 10:16
